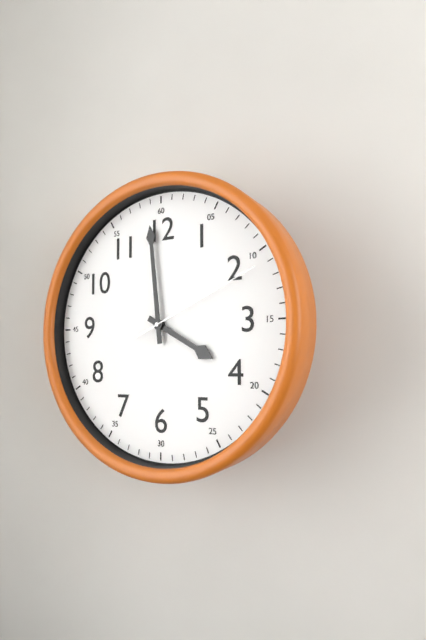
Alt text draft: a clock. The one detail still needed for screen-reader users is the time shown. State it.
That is 3:59:11
